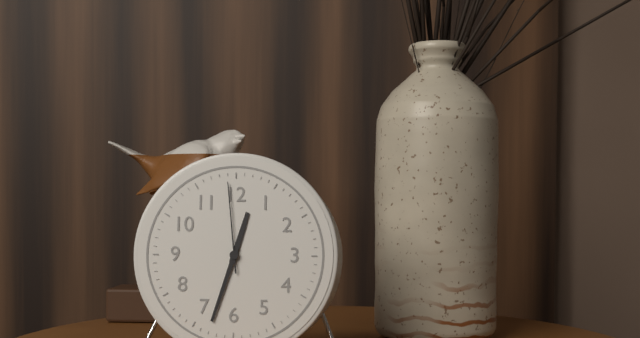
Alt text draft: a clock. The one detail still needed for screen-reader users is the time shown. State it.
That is 12:33:59
